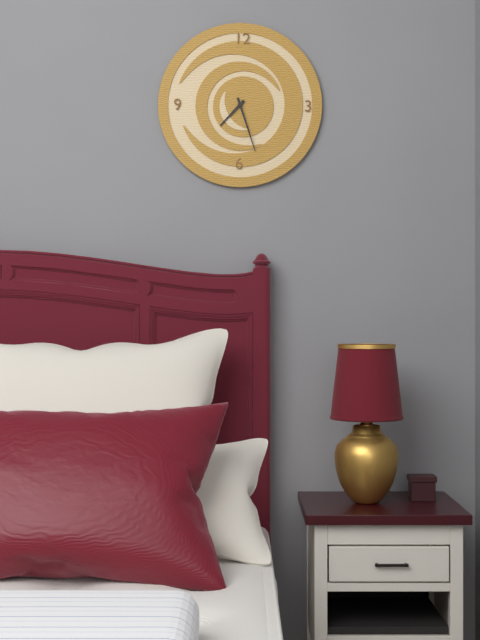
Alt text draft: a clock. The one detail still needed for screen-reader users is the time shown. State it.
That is 7:27
